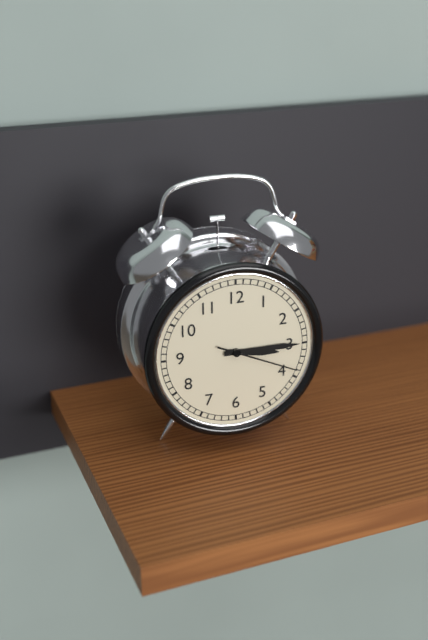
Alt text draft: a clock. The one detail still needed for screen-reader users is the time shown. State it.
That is 3:15:19
